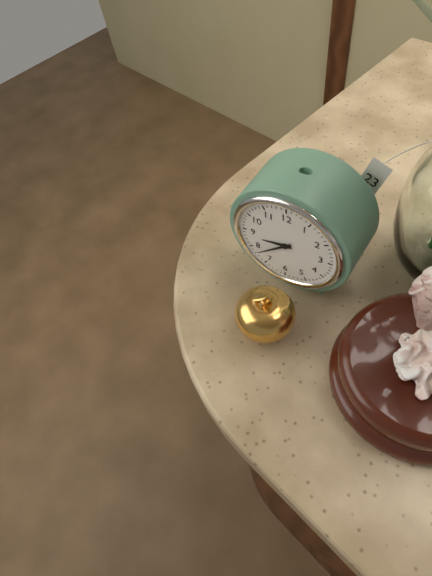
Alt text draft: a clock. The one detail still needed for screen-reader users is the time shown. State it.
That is 8:38
